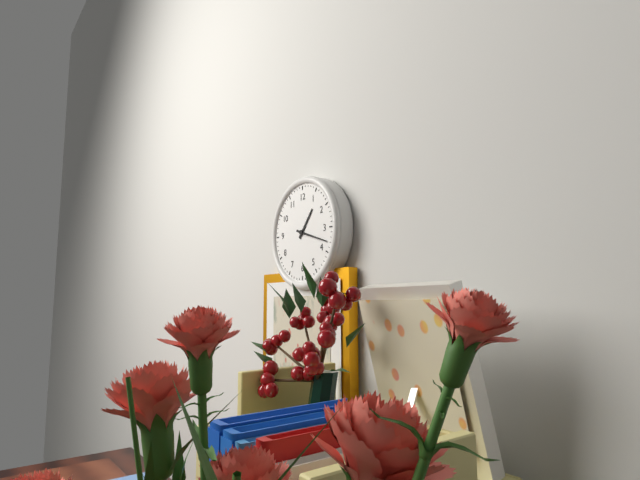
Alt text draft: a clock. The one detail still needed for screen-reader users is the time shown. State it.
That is 1:18
